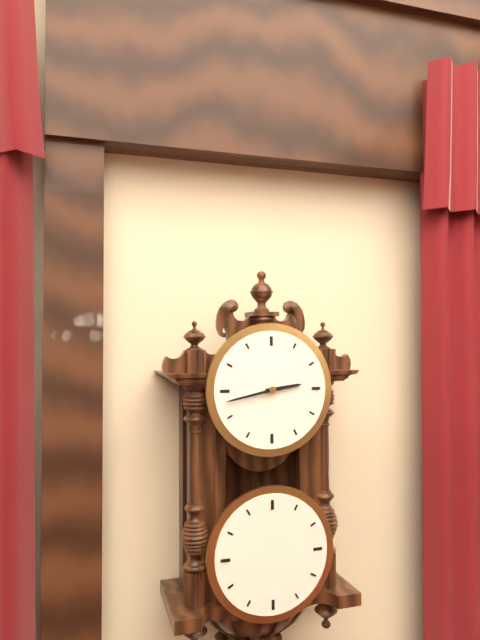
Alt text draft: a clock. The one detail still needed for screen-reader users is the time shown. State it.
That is 2:43
